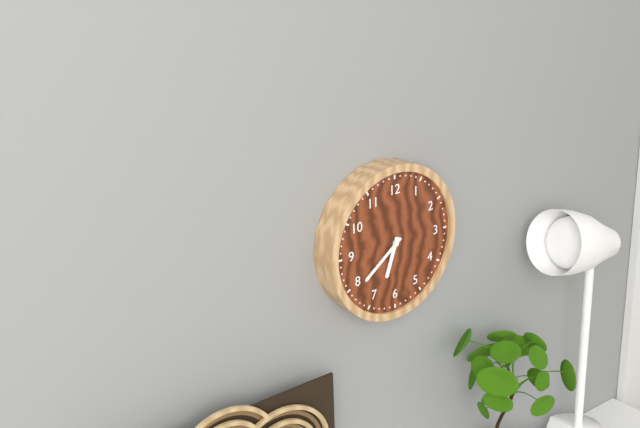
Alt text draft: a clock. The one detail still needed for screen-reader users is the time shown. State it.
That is 6:39
